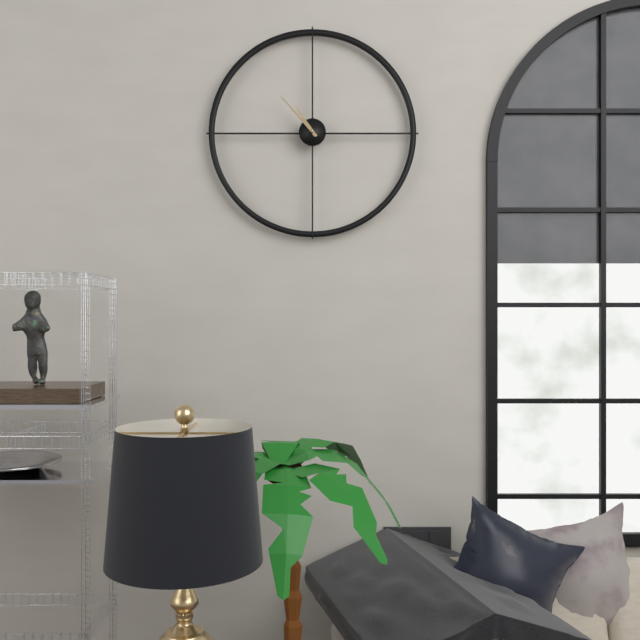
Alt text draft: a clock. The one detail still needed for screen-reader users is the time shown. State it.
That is 10:53
